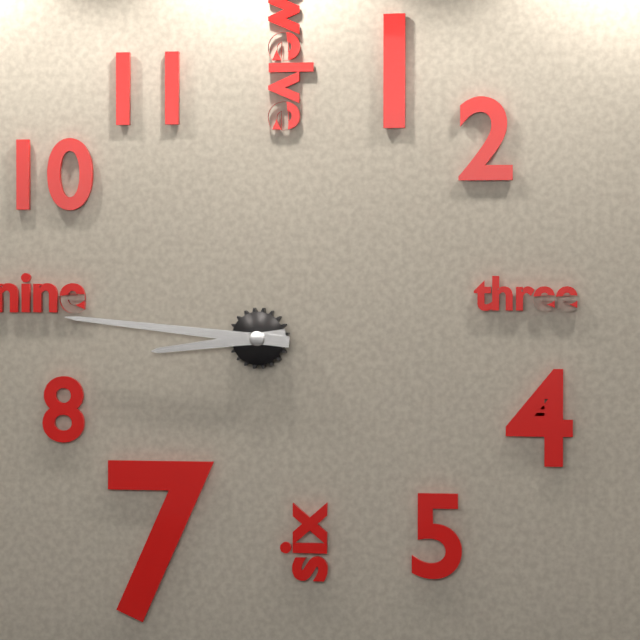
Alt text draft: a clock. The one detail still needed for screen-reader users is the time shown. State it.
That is 8:46
